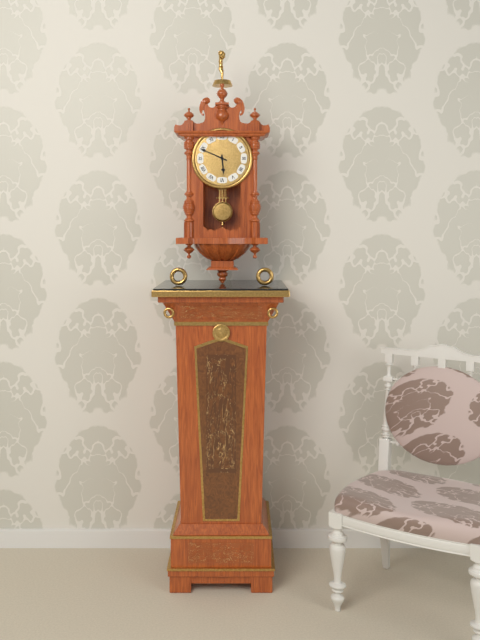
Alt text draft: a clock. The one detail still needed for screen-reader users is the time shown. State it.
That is 5:49
